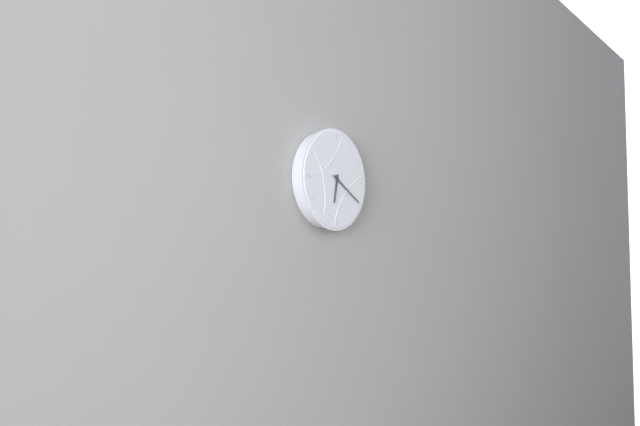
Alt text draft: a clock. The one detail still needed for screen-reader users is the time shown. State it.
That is 6:20
